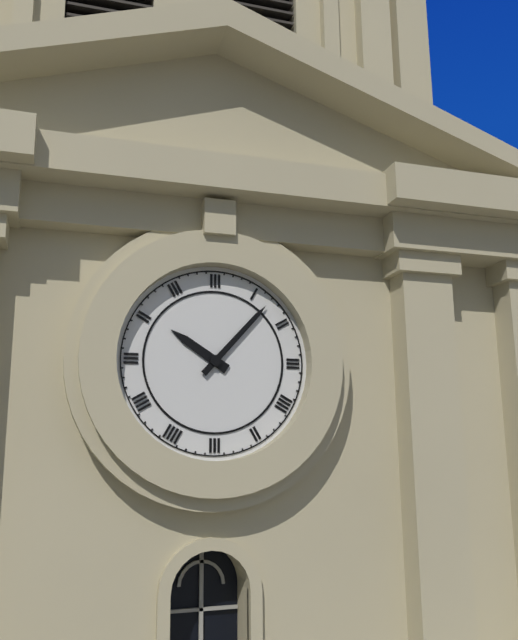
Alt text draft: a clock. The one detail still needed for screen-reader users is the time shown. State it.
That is 10:07
